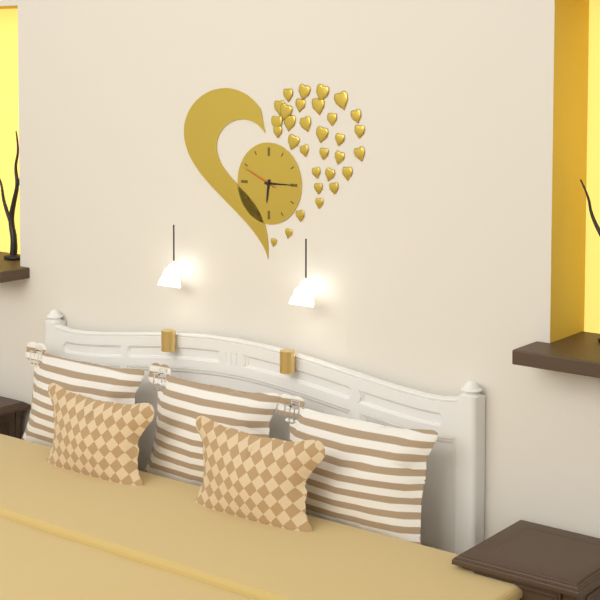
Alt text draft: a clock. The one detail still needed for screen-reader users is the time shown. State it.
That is 6:15
